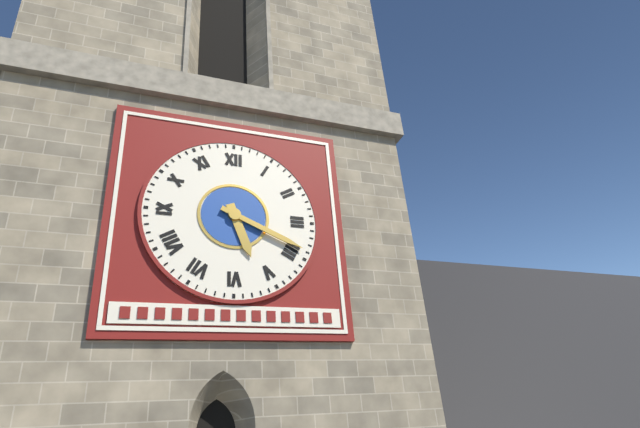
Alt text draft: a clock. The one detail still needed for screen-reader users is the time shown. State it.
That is 5:19
